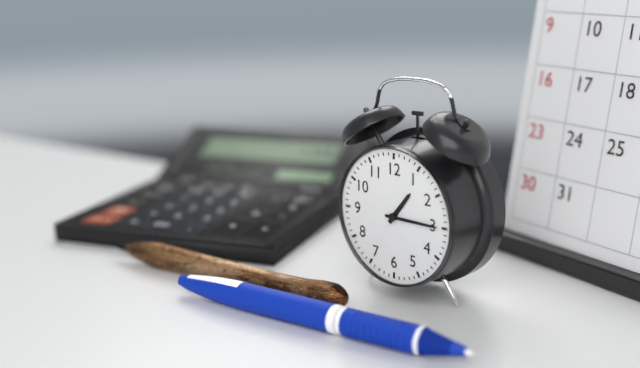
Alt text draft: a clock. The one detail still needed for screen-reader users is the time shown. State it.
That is 1:15
